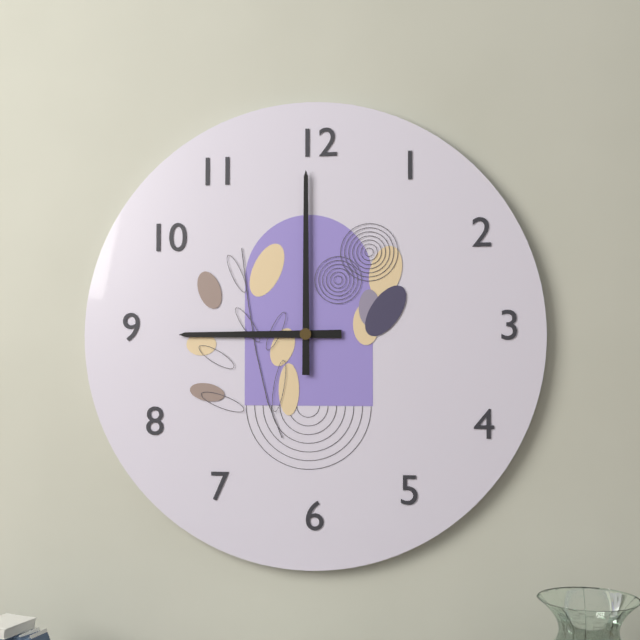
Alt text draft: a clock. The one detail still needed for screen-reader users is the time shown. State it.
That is 9:00
